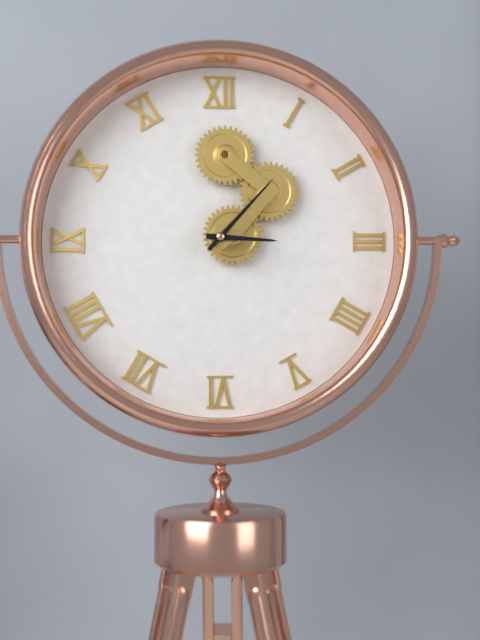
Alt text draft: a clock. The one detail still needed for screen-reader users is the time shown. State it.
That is 3:07
